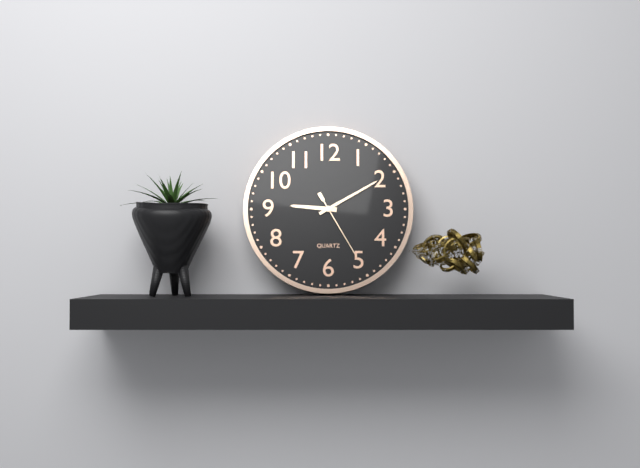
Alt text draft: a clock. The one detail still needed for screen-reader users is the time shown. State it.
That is 9:10:25
